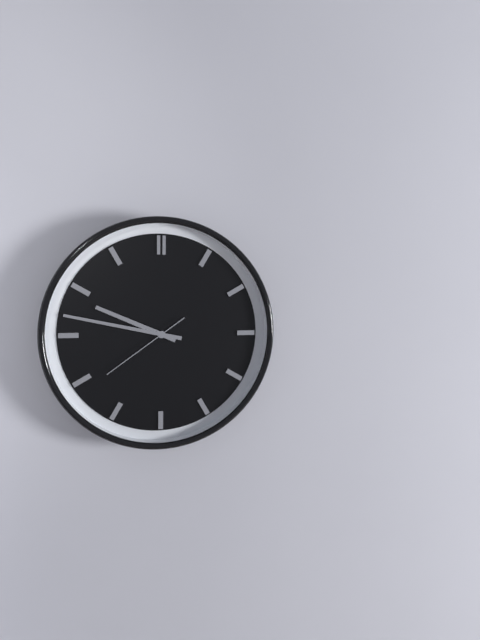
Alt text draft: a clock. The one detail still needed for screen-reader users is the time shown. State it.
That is 9:47:39
